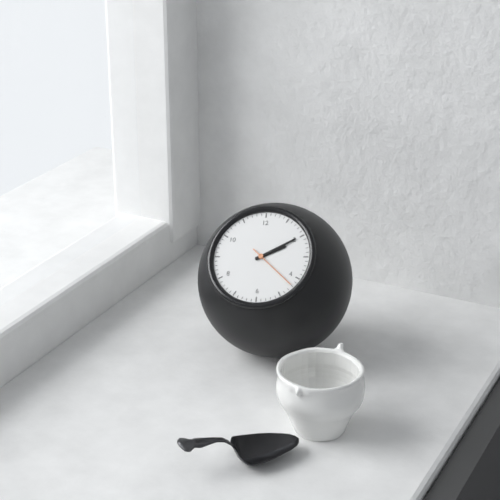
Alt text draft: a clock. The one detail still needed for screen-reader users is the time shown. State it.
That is 2:10
